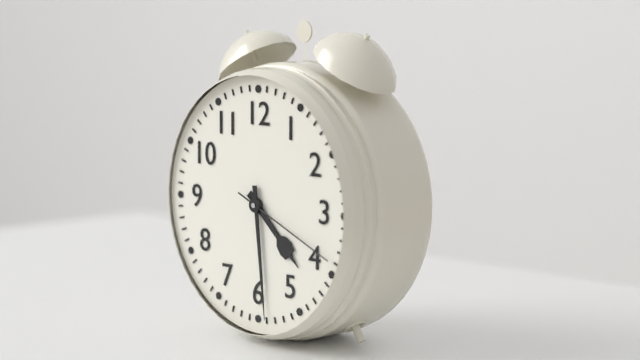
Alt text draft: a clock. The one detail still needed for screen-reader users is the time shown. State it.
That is 4:29:19
